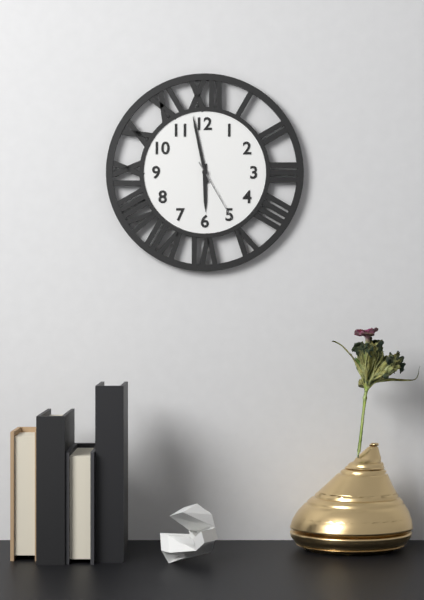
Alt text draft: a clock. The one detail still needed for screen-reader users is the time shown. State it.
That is 5:58:25
